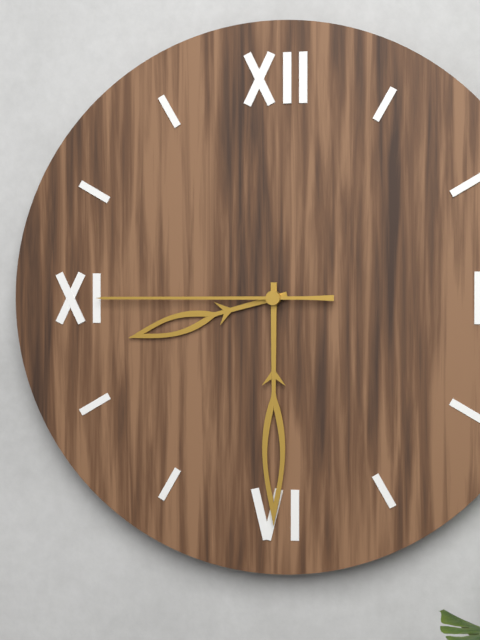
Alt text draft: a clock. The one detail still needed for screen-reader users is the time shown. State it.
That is 8:30:45
